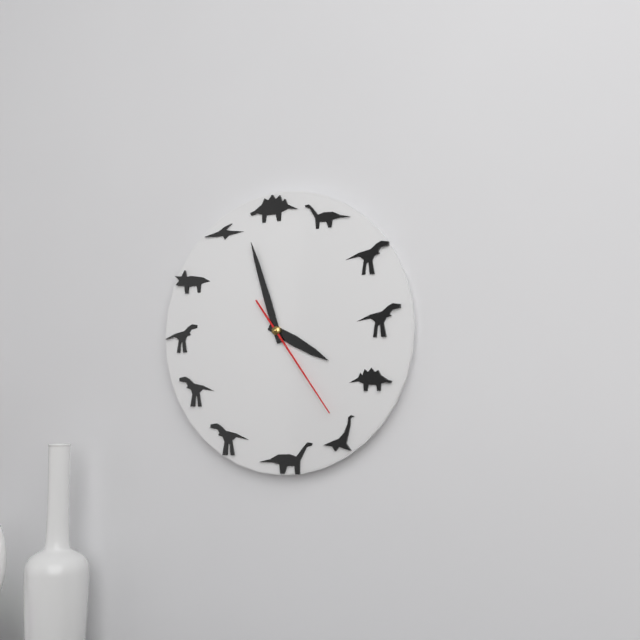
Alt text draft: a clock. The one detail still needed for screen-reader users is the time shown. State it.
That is 3:57:24
